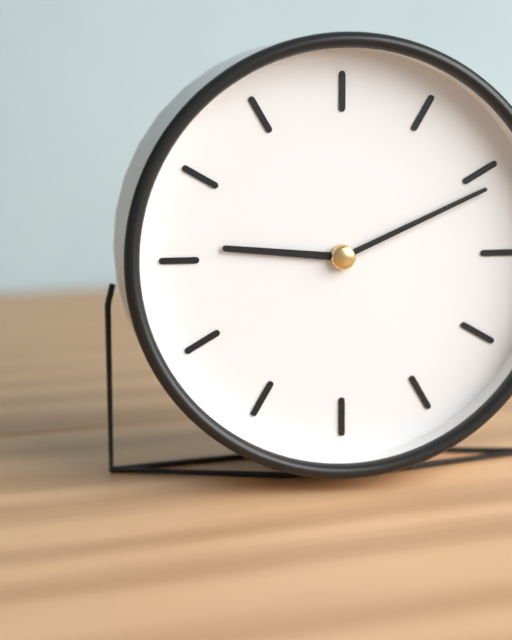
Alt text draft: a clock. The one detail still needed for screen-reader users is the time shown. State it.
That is 9:11
